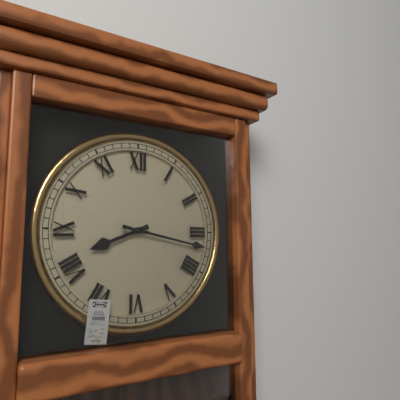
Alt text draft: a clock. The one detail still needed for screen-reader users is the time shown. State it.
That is 8:17
